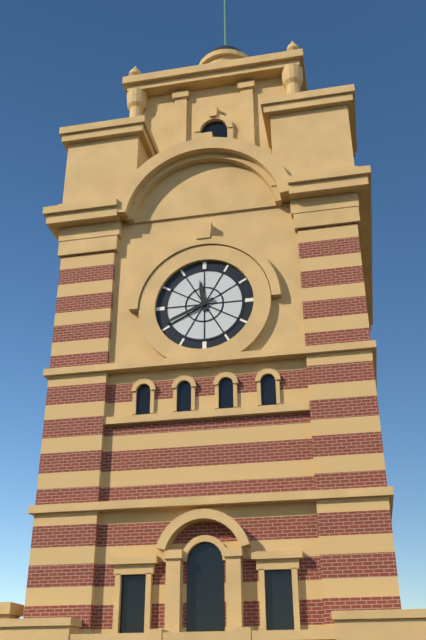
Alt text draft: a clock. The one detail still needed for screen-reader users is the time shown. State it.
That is 11:41
